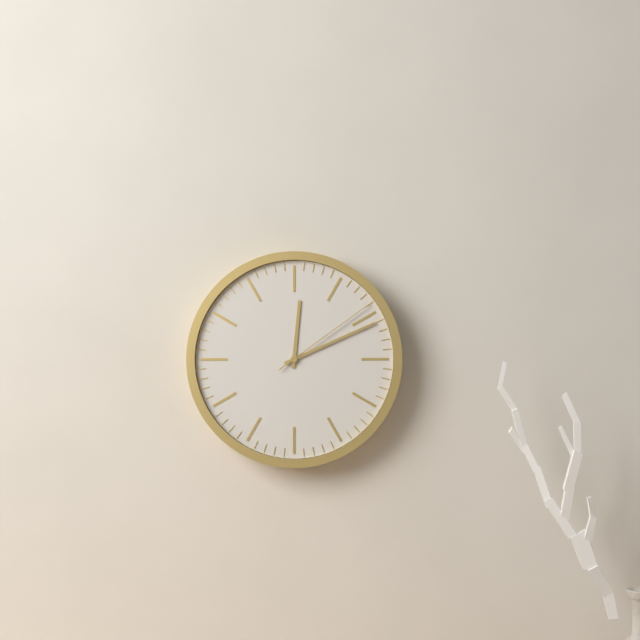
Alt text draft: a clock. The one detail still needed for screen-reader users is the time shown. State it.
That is 12:11:09
